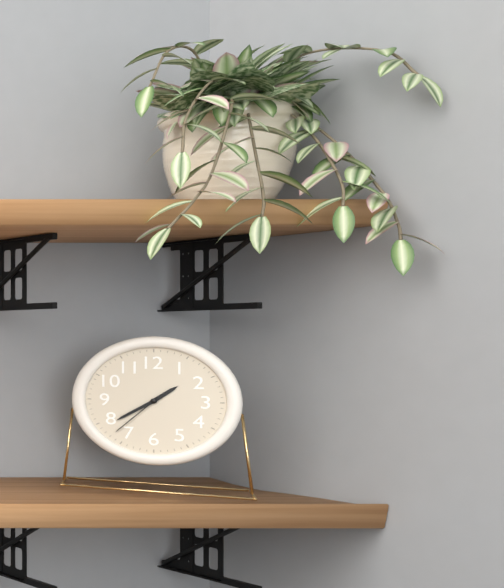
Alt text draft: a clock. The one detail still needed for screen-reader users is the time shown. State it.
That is 1:39:37
